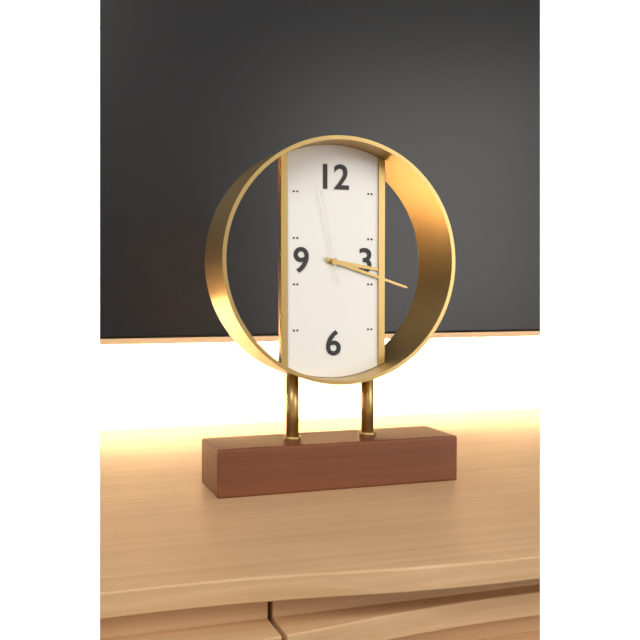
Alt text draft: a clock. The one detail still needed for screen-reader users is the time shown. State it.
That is 3:18:58
